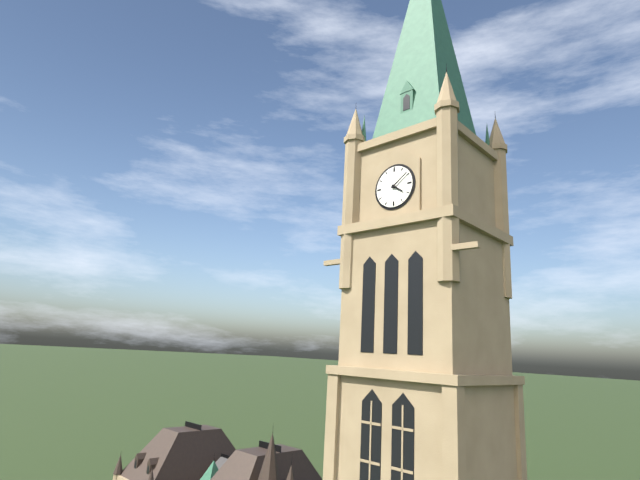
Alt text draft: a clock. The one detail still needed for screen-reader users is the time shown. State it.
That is 4:09
